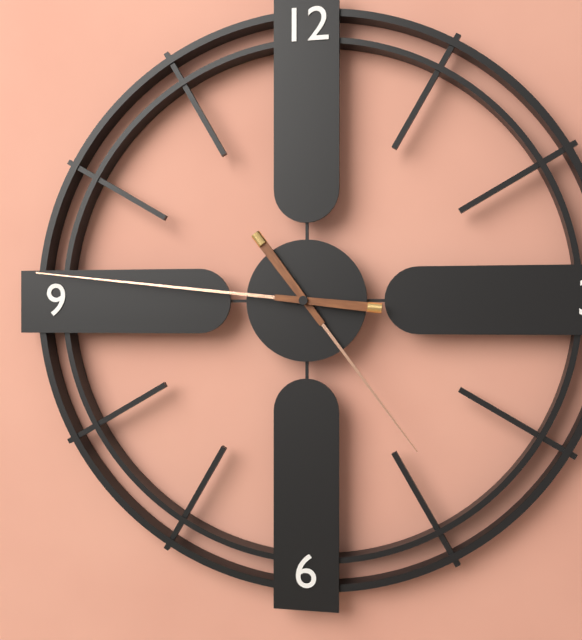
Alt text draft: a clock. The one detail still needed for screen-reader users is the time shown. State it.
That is 4:46
